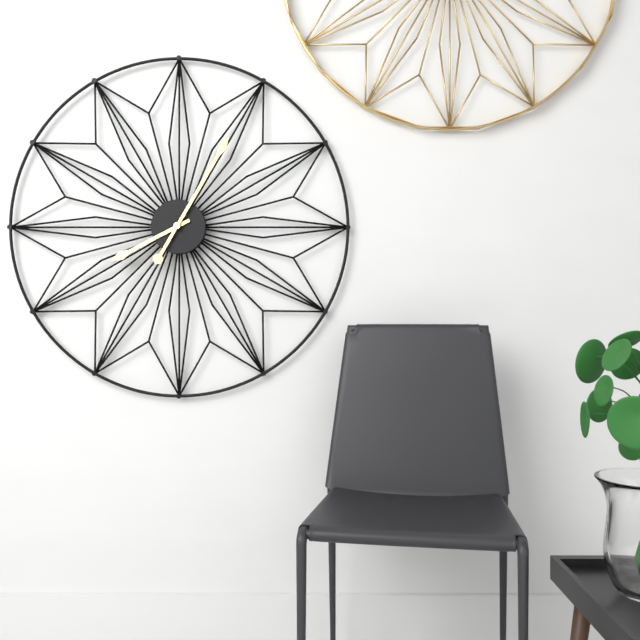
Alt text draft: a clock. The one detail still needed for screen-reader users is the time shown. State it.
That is 8:05
